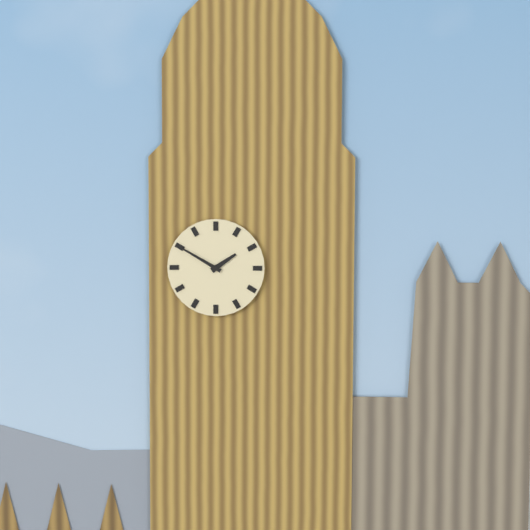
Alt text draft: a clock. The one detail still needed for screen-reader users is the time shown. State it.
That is 1:50
